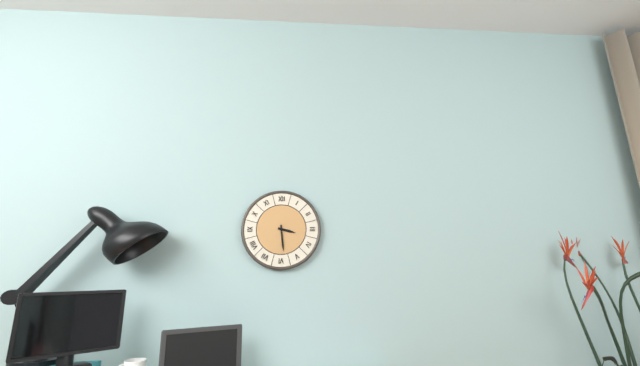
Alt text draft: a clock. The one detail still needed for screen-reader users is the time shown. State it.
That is 3:29
